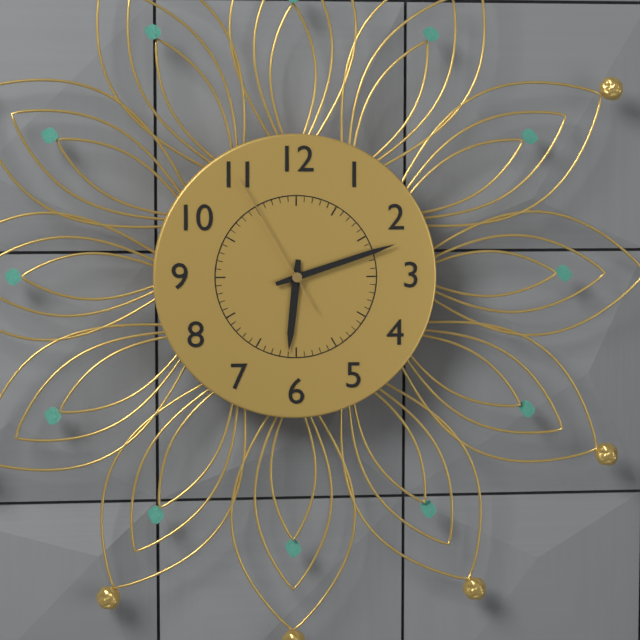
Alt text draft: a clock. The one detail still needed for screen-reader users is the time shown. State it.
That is 6:12:55
